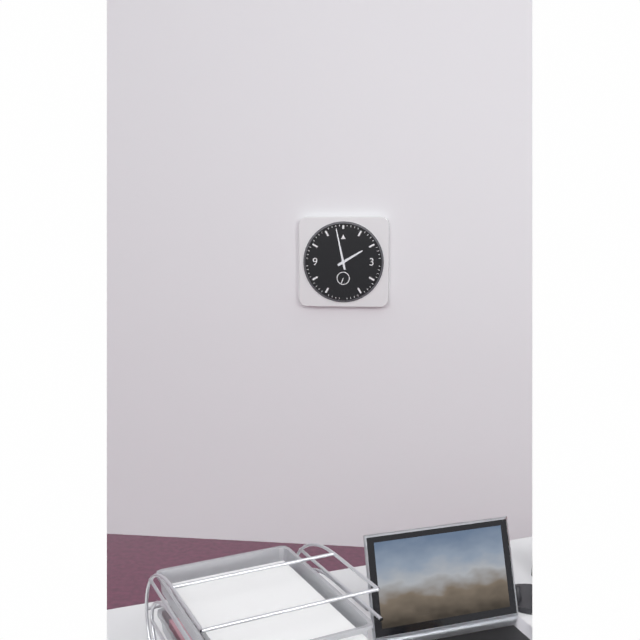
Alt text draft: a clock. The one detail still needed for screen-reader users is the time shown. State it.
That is 1:58
